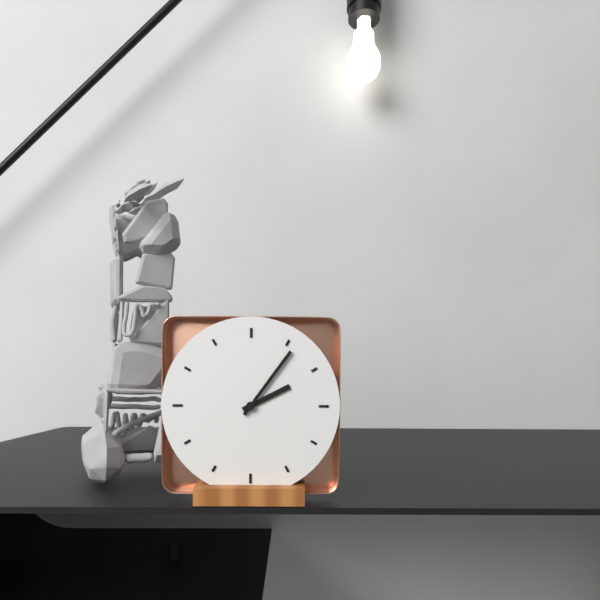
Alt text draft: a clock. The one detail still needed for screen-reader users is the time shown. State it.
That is 2:06
